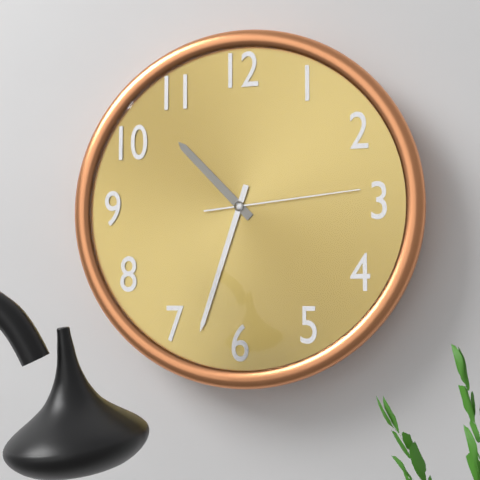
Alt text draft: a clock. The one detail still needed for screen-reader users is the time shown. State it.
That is 10:33:14
